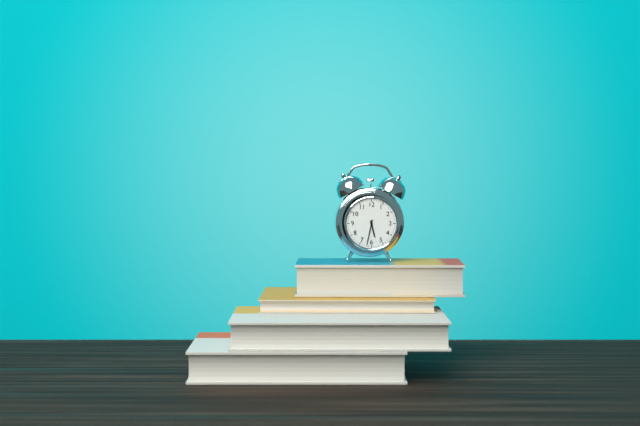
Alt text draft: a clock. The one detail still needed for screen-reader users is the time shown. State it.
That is 5:32
